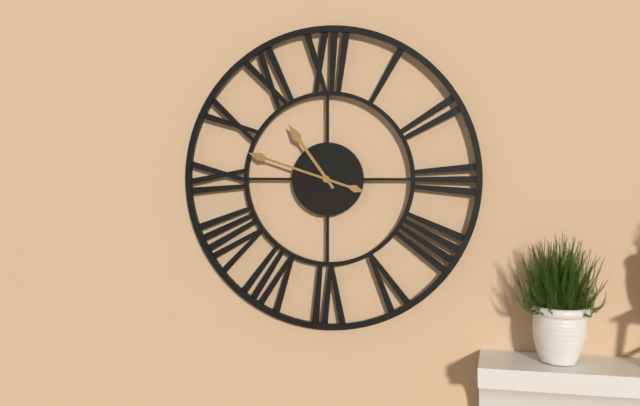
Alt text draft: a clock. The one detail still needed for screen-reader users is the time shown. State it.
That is 10:48
